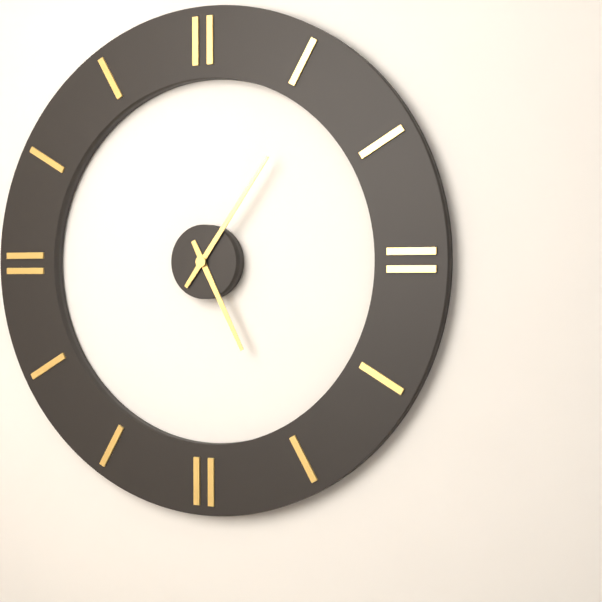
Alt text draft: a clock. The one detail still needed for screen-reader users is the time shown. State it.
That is 5:06
